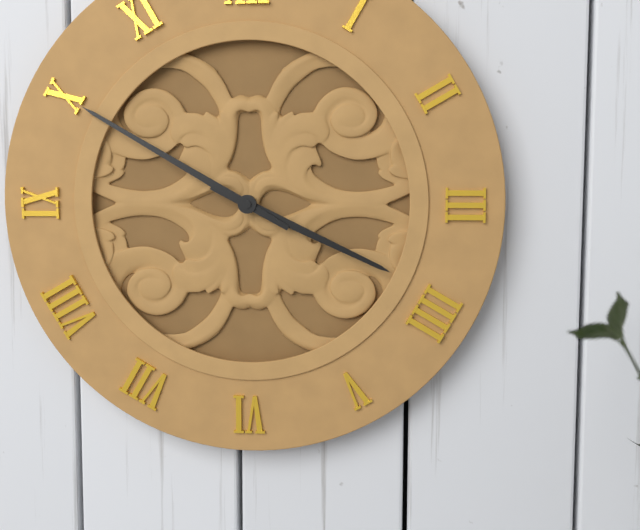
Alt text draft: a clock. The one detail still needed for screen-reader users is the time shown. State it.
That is 3:50
